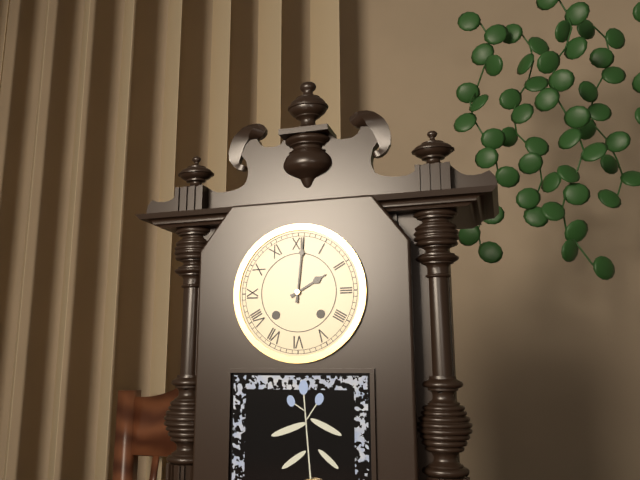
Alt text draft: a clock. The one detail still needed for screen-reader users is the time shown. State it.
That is 2:01
